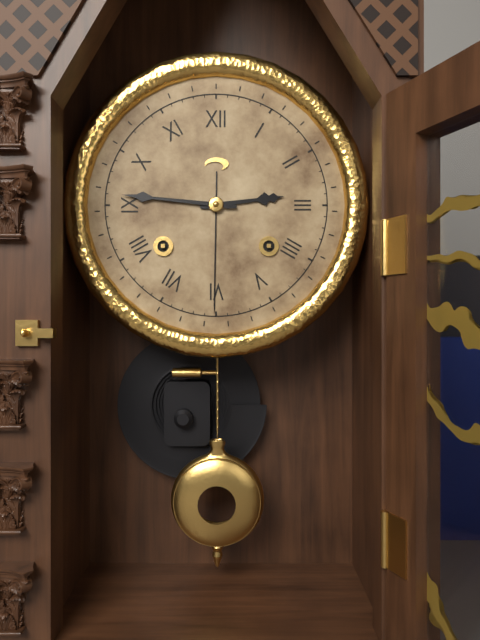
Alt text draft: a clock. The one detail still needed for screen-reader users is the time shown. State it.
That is 2:46
